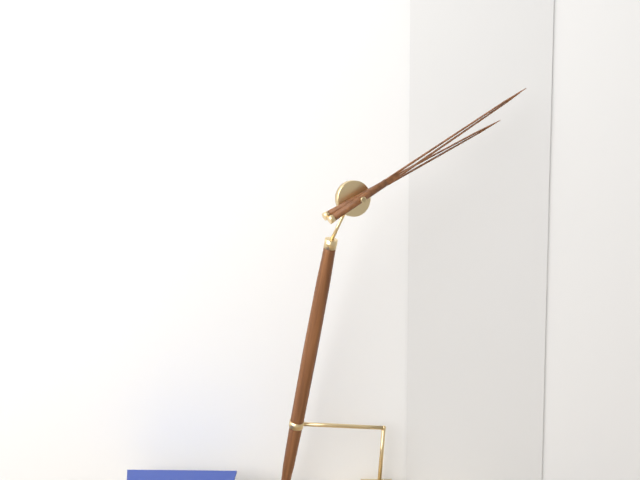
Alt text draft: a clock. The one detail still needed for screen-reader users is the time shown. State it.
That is 2:10
